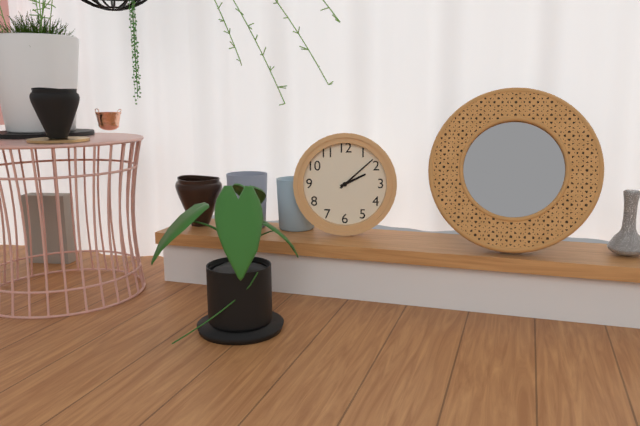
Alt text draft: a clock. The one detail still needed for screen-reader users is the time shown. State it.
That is 2:08
